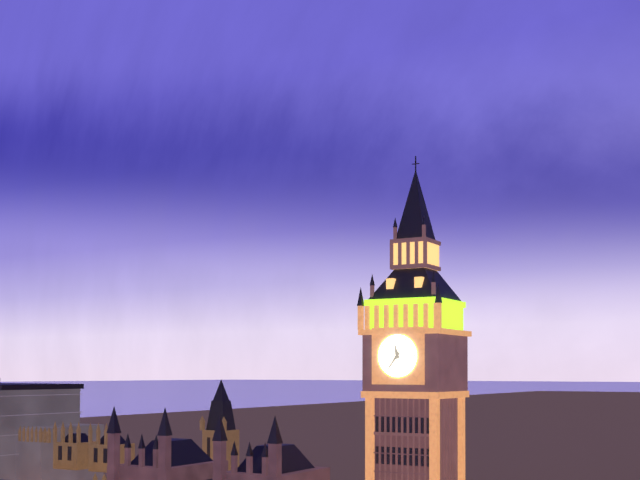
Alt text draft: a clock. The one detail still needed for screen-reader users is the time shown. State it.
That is 11:36
